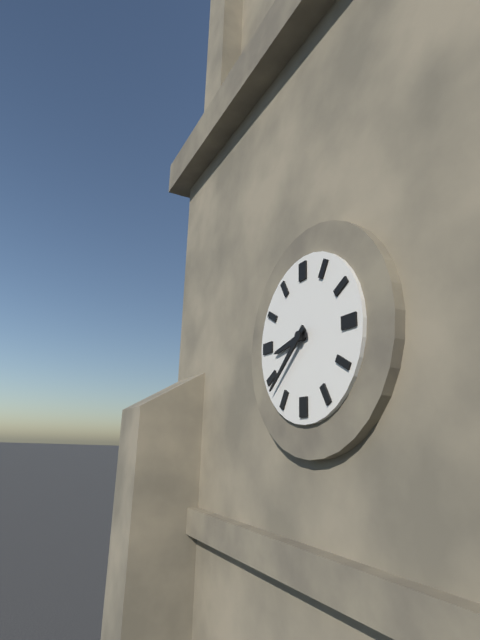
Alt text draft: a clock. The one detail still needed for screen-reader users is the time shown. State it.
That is 8:38
